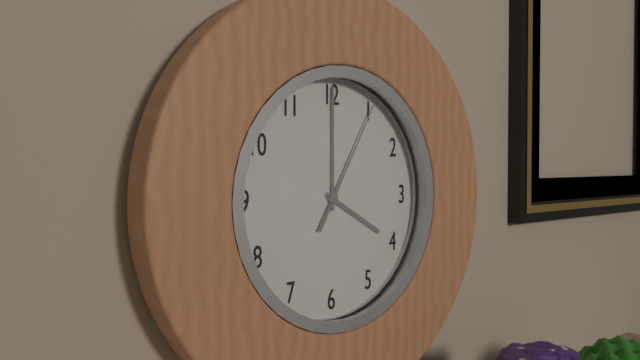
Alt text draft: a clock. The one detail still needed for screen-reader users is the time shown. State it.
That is 4:00:05
